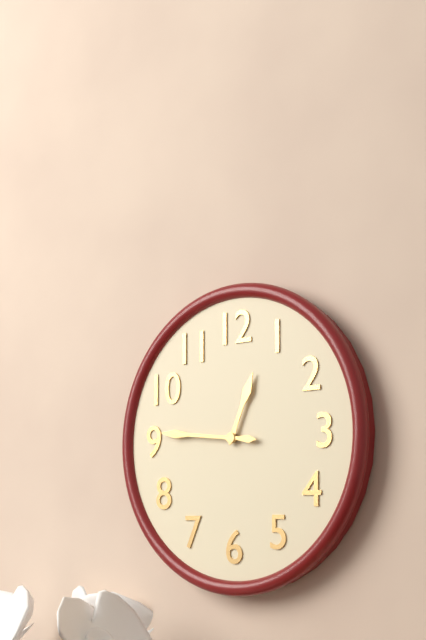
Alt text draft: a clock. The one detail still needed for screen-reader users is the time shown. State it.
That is 12:46
